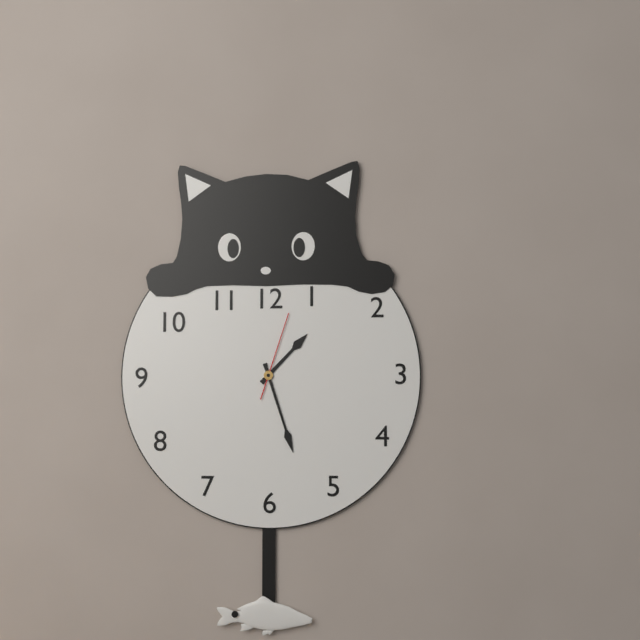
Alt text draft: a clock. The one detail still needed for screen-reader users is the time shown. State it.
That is 1:27:03
